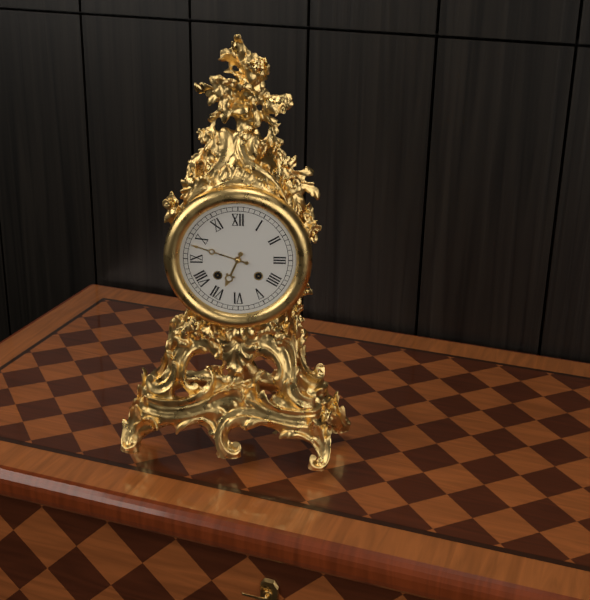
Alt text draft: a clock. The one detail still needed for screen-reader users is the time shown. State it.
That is 6:48
